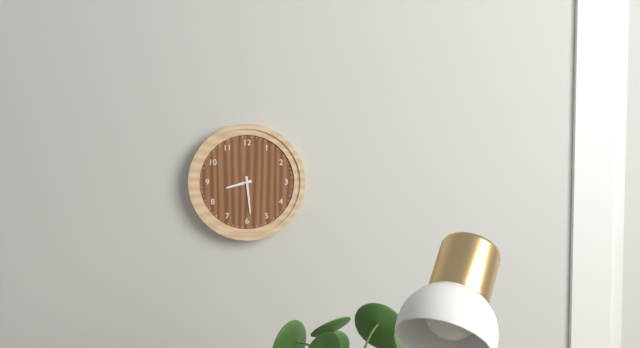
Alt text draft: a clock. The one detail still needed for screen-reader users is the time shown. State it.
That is 8:29
